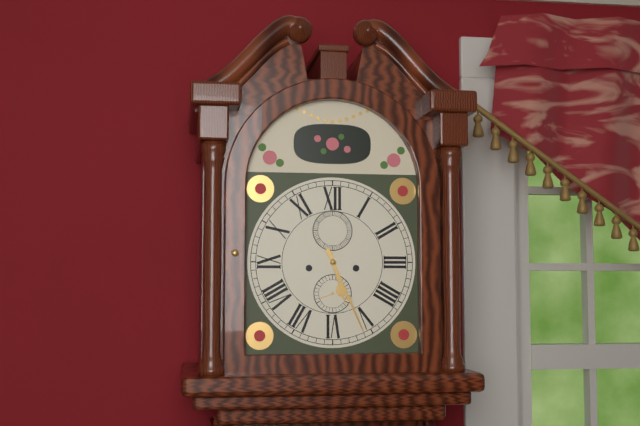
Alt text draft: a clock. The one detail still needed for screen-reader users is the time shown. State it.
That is 5:26
